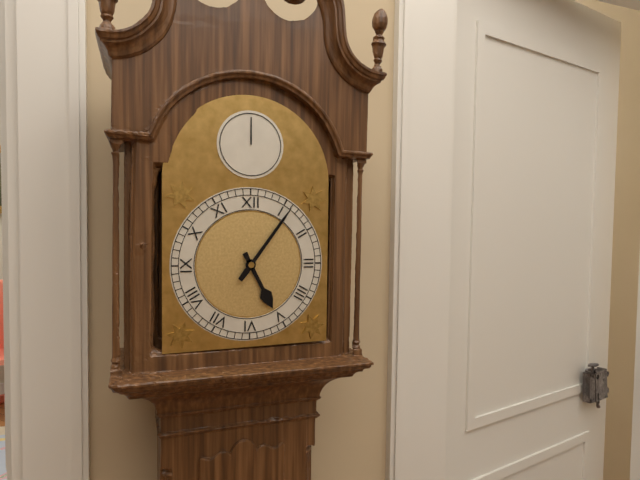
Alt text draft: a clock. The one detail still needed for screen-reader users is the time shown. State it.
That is 5:06
